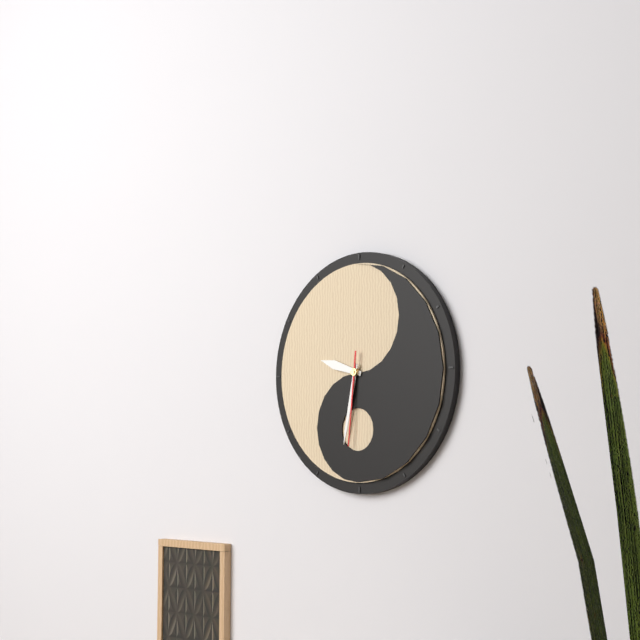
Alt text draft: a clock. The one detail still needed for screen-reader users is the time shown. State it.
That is 9:32:31
